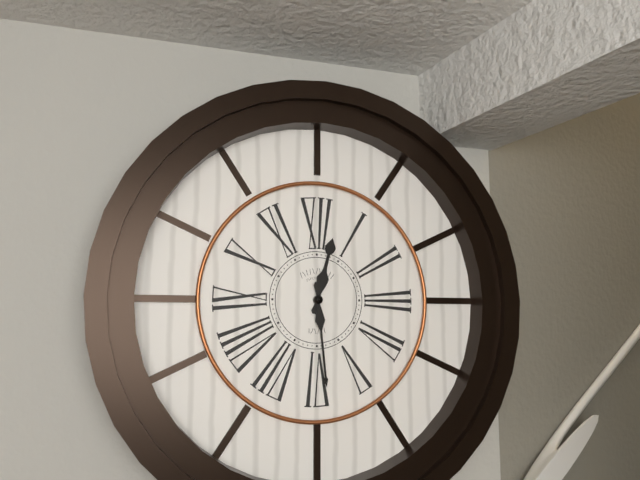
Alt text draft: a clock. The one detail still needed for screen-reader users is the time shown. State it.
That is 12:29
